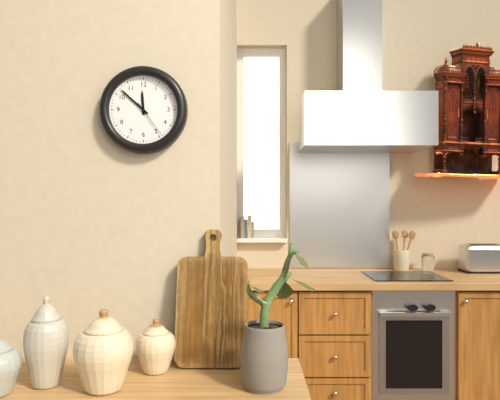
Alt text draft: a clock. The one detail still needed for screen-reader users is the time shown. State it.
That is 11:52
